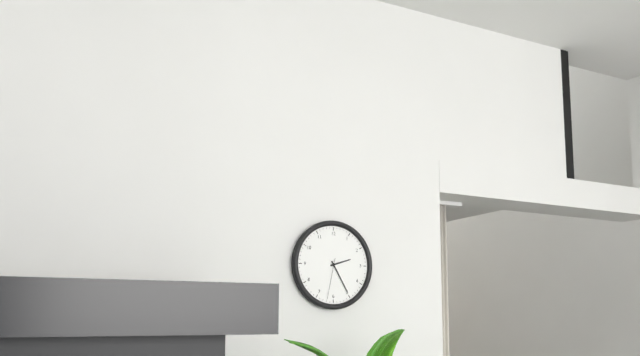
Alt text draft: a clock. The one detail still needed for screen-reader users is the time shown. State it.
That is 2:25
